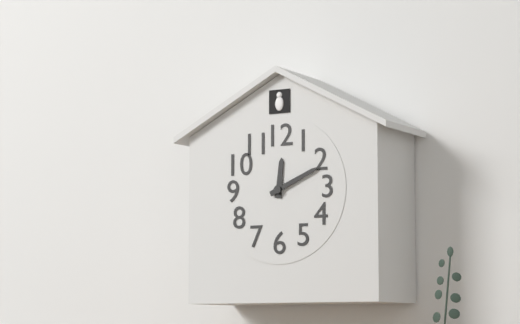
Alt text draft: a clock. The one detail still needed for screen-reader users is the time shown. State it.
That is 12:11
